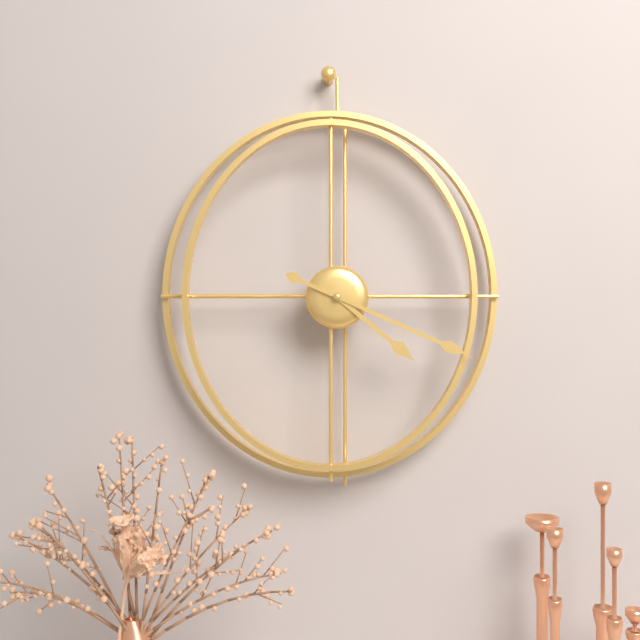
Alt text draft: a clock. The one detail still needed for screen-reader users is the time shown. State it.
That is 4:19
